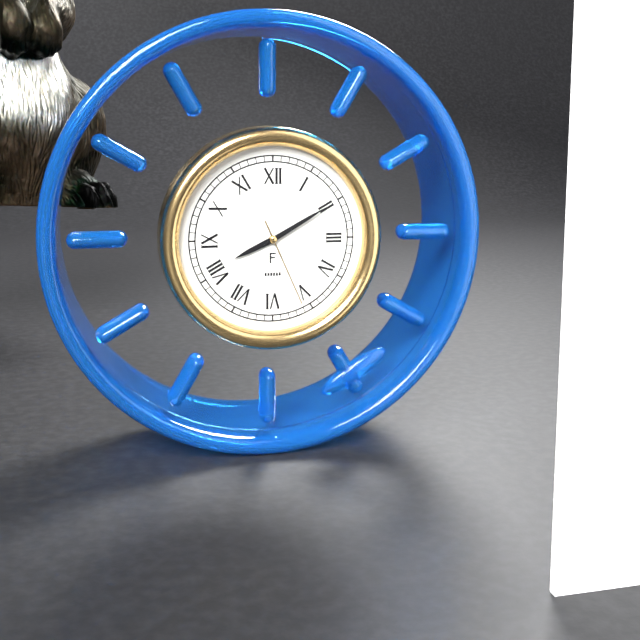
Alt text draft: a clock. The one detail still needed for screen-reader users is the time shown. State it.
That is 8:10:26
